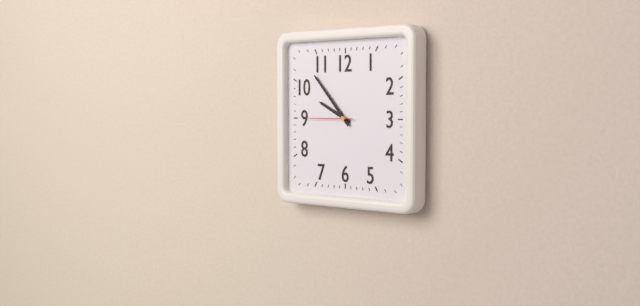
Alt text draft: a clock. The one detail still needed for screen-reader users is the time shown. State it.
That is 9:53
